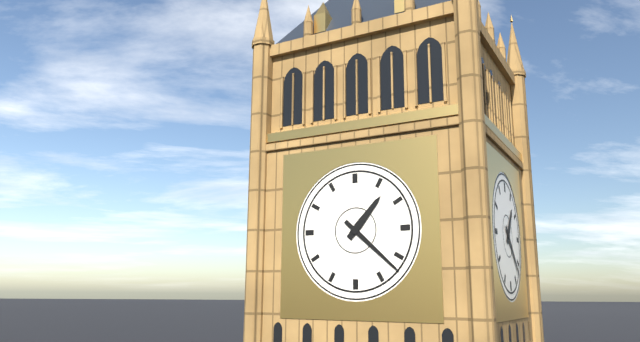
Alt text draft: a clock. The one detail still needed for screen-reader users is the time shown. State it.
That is 1:22
